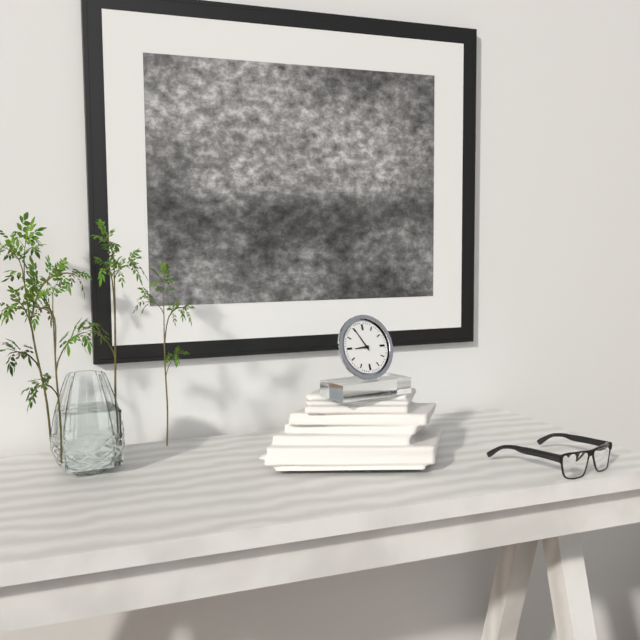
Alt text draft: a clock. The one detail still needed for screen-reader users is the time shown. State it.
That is 8:55
